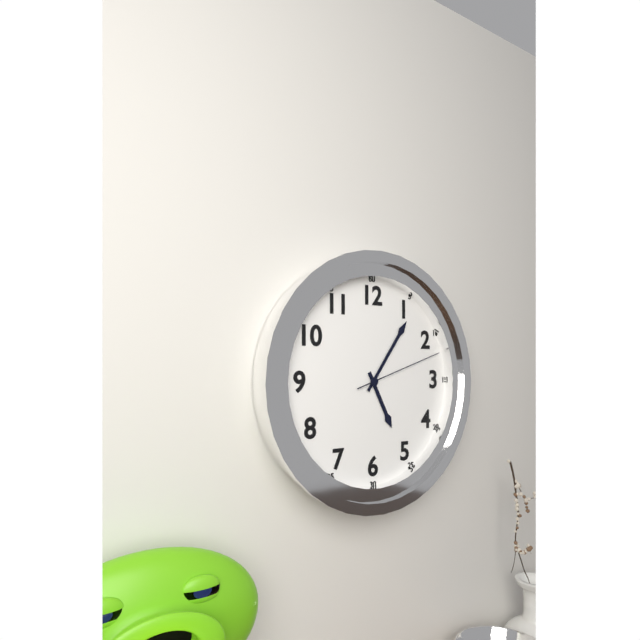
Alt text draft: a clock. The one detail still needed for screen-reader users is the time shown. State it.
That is 5:06:12
